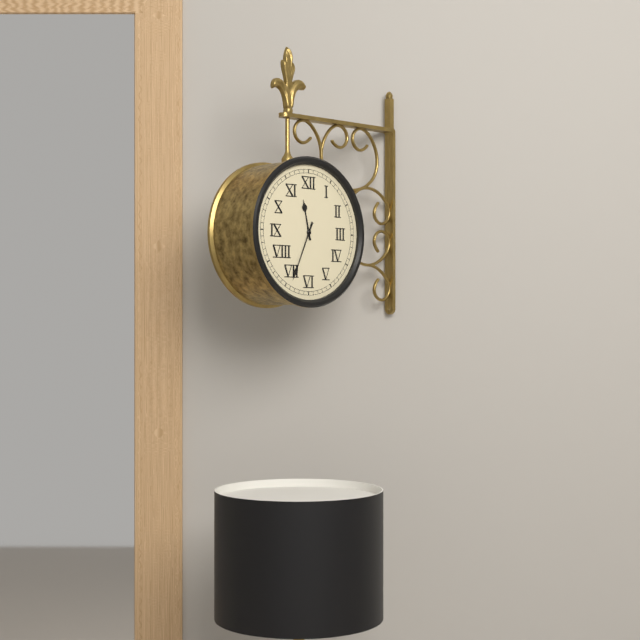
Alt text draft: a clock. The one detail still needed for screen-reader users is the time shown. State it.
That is 11:34
